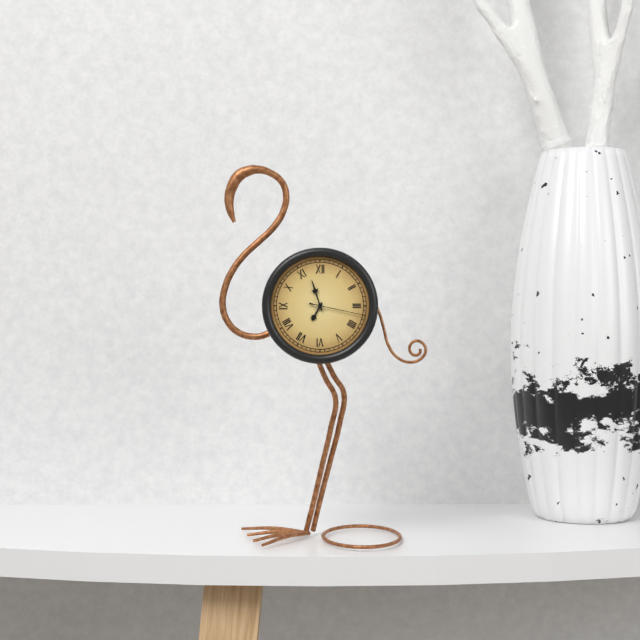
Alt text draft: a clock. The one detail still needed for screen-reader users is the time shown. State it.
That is 6:57:17
